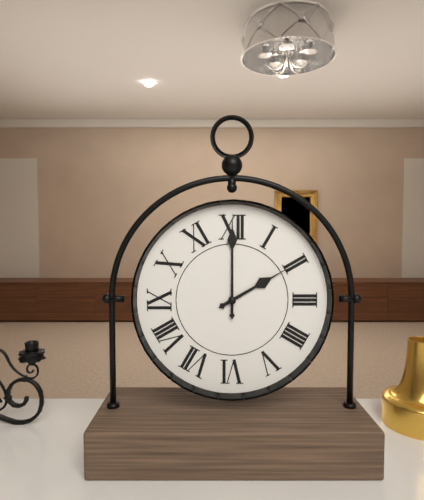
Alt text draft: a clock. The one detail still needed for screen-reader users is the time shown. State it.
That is 2:00
